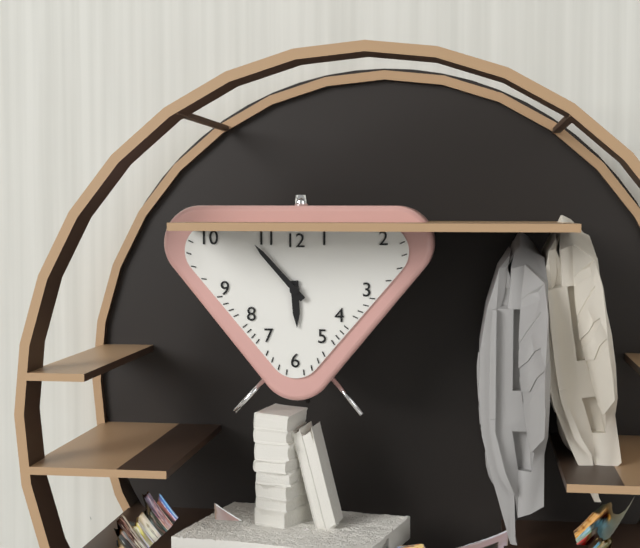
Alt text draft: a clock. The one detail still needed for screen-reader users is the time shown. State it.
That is 5:53
